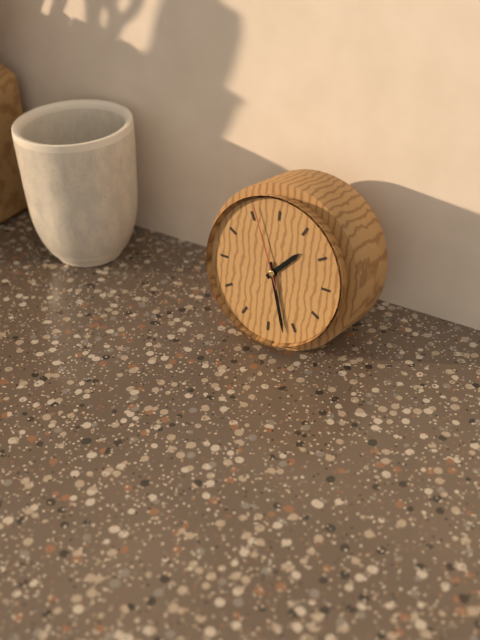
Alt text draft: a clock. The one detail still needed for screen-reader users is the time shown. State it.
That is 1:27:56
